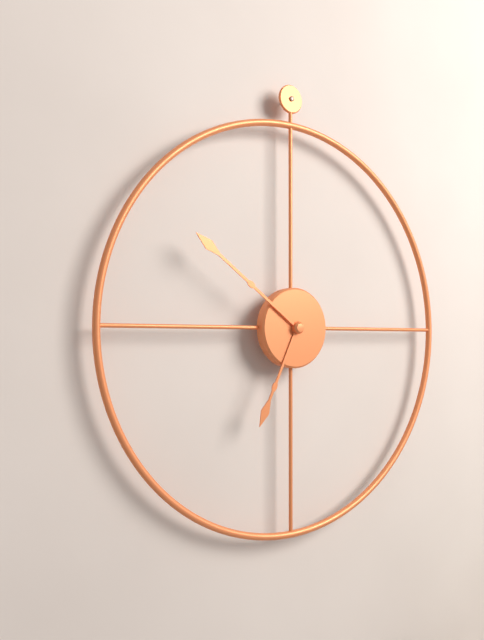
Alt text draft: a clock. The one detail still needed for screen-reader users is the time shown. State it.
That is 6:51
